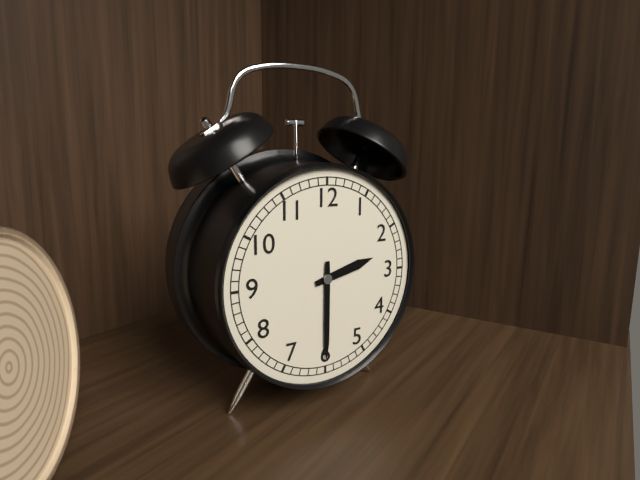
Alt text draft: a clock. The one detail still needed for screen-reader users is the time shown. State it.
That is 2:30
